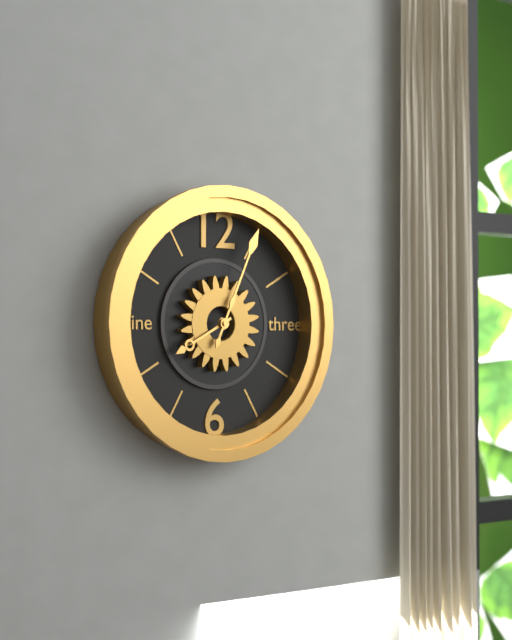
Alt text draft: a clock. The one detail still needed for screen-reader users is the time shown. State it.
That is 8:04
